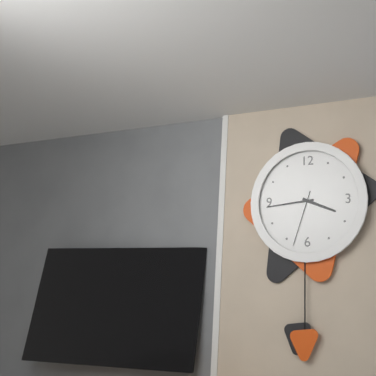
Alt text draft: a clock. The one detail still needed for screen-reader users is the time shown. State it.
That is 3:44:33
